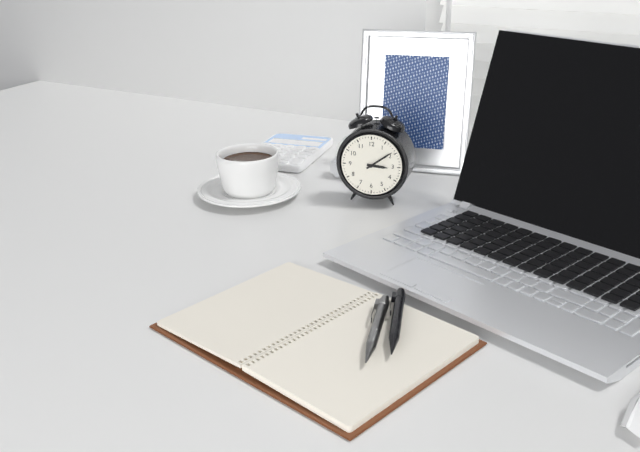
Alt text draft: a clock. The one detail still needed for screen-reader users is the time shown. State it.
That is 3:09
